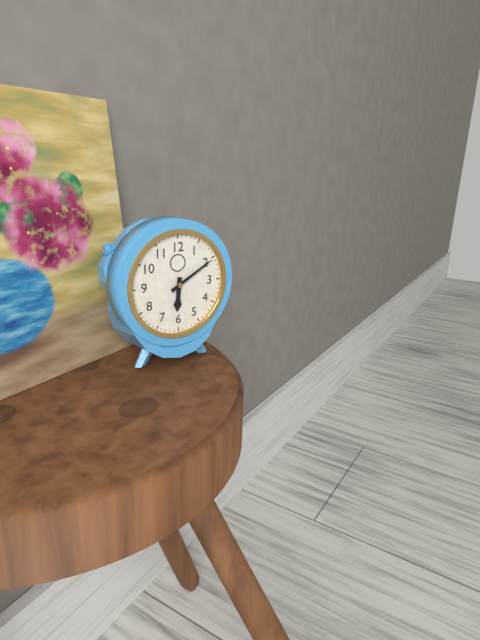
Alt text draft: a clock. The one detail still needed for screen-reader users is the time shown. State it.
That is 6:10
